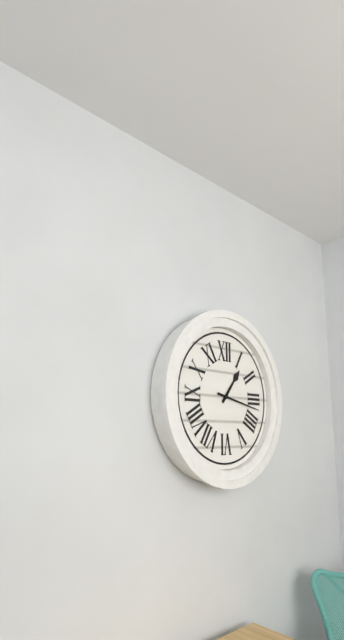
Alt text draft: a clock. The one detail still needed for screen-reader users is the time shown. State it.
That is 1:17
